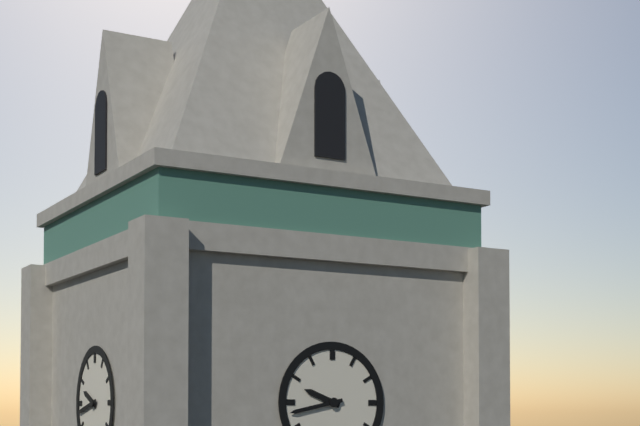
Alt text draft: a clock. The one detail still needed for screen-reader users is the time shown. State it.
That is 9:43
